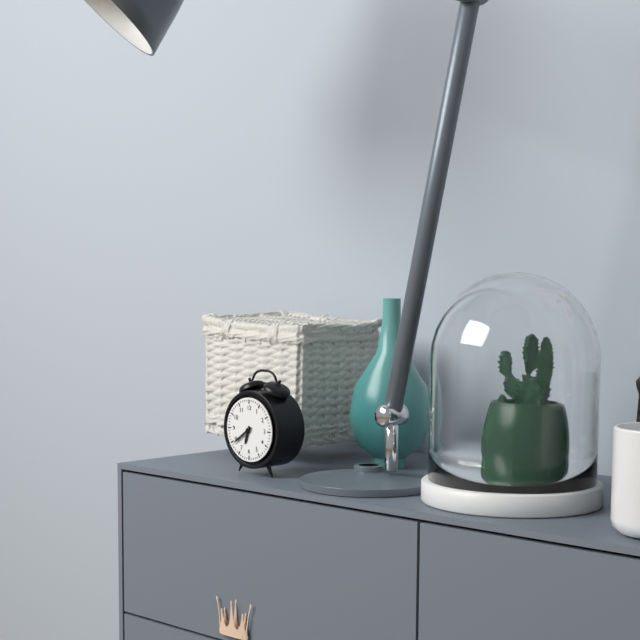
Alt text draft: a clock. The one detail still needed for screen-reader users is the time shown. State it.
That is 6:39
